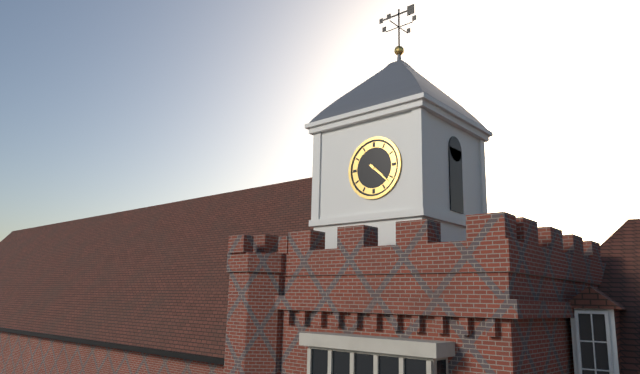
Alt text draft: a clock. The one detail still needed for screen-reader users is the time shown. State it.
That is 4:22
